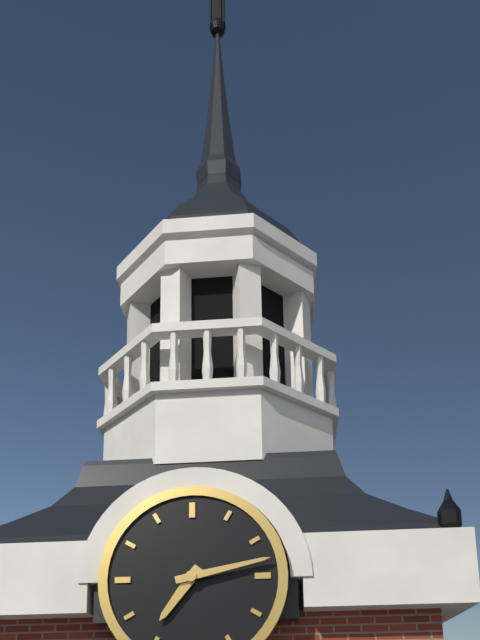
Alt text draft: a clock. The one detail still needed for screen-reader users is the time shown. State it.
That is 7:13
